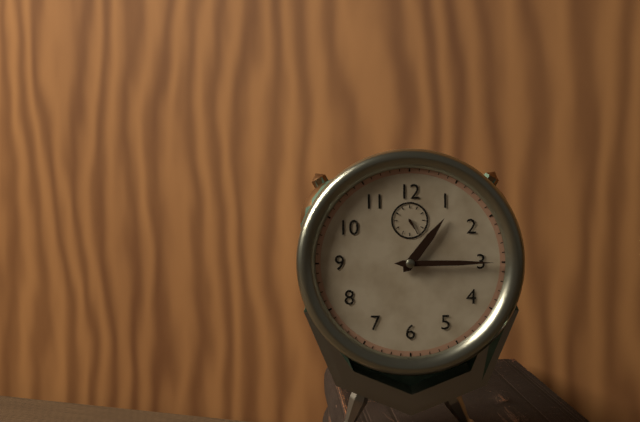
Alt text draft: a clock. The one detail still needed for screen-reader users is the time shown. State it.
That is 1:15
